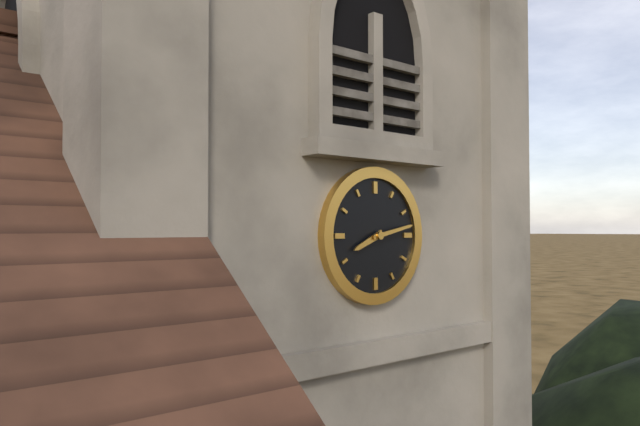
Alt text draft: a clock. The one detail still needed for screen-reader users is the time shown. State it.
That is 8:13
